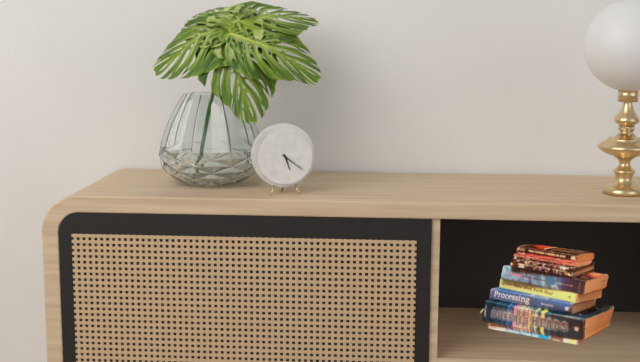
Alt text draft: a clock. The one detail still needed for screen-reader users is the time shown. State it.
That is 5:21
